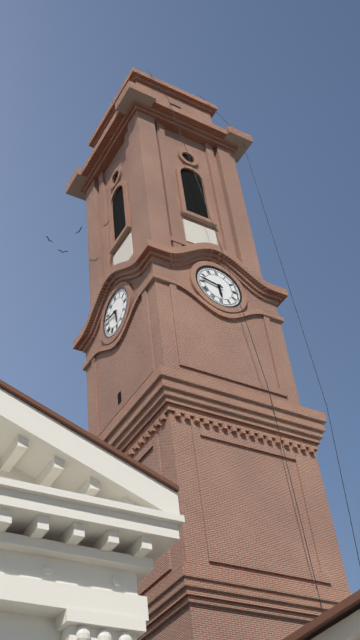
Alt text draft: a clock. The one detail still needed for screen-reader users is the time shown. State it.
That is 5:47
